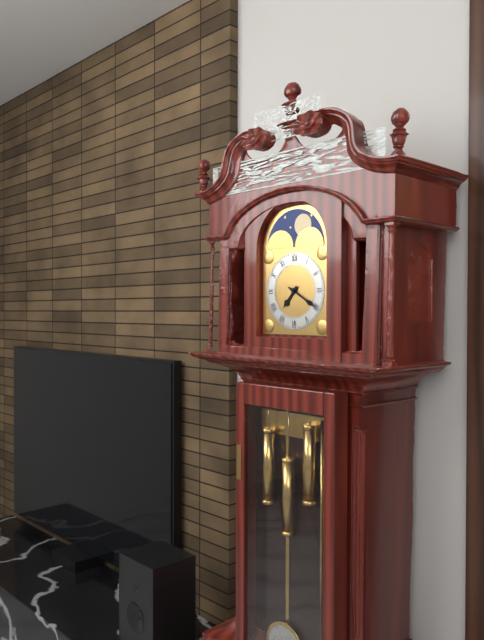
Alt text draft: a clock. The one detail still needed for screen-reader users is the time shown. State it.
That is 7:20
